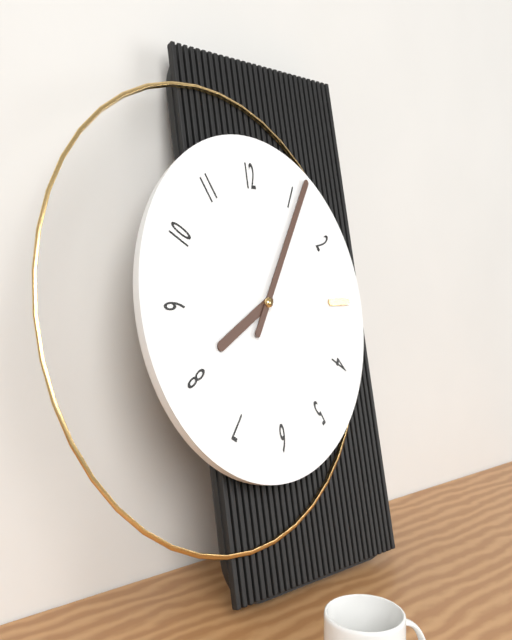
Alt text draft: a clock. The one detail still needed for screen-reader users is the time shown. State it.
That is 8:06
